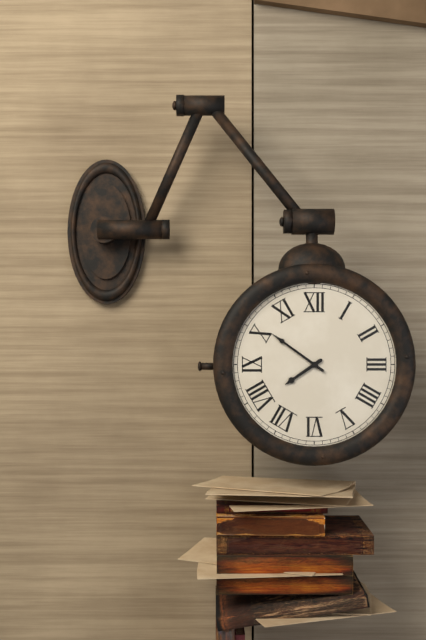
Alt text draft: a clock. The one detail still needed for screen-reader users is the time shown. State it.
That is 7:51
